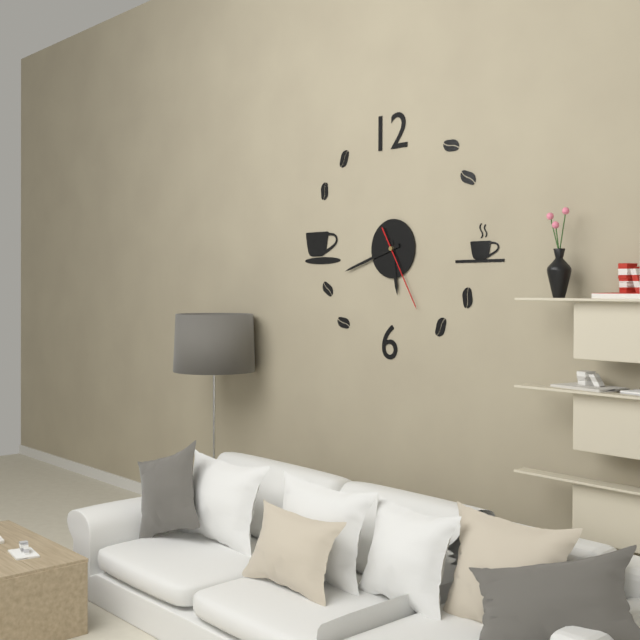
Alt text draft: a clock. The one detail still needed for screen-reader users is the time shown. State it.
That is 5:42:25
